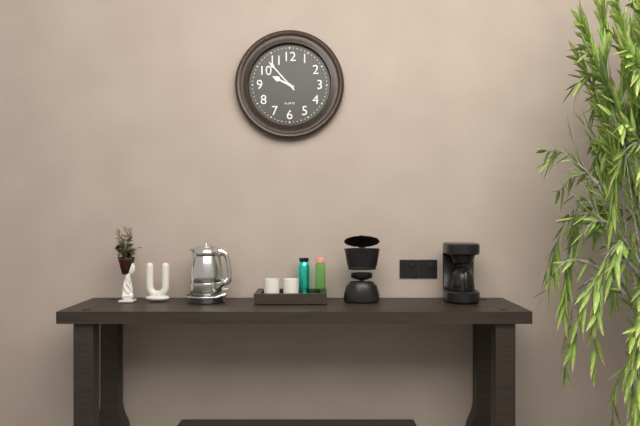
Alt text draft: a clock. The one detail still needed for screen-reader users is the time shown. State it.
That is 9:53
